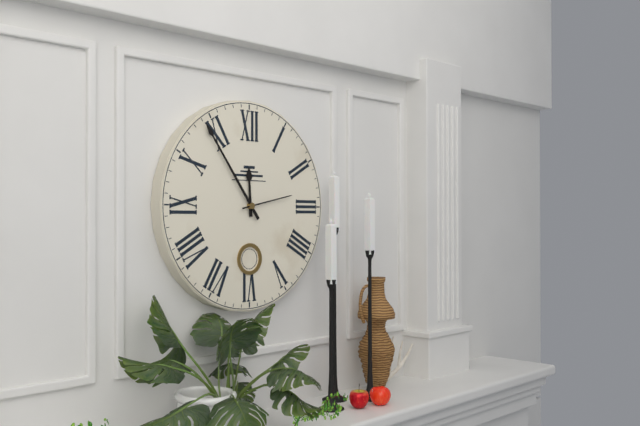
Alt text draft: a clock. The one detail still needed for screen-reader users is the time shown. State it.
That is 11:54:13
